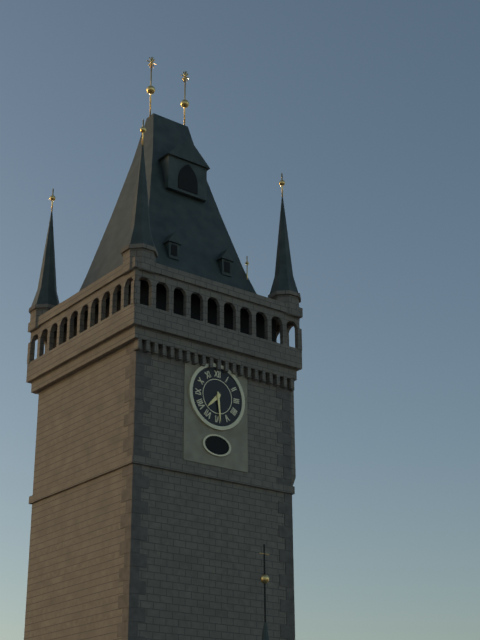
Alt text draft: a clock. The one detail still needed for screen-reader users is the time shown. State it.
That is 7:29
